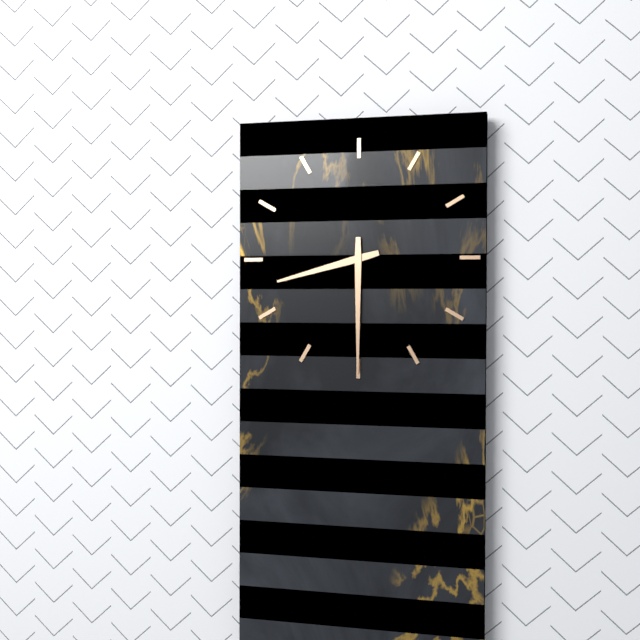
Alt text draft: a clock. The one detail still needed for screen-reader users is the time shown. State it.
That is 8:30
